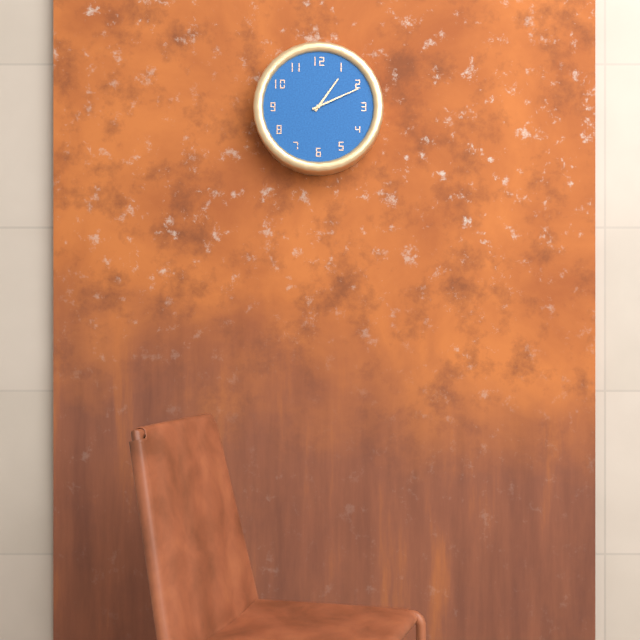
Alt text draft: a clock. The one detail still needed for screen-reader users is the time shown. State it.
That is 1:11
